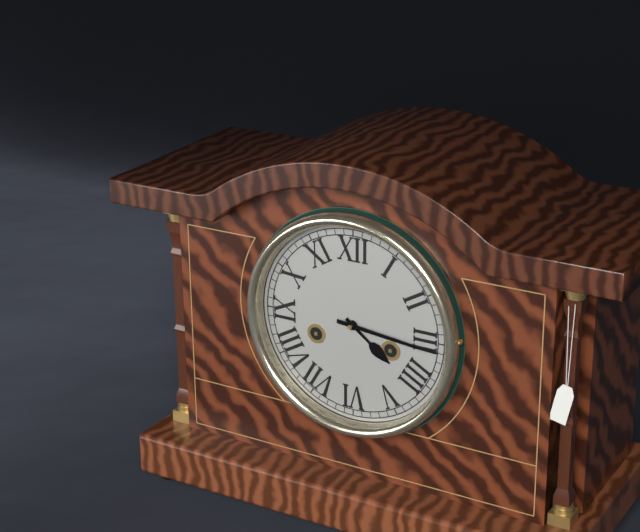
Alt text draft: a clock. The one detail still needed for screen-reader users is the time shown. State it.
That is 4:16
